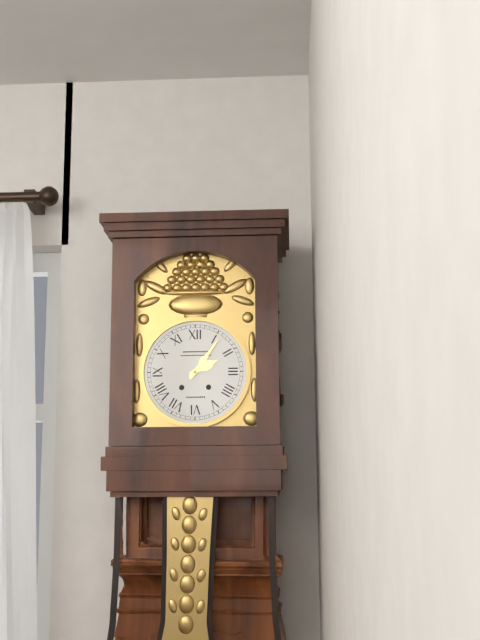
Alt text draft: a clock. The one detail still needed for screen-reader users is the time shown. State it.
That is 2:06
